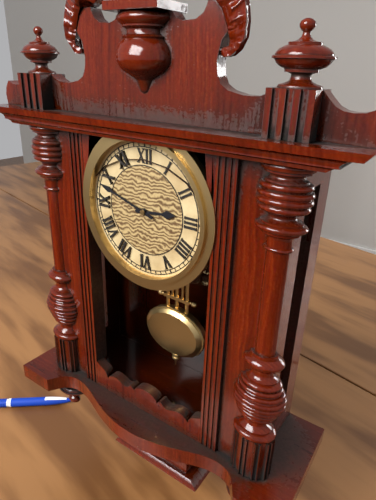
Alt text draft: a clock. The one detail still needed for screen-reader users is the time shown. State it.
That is 2:48
